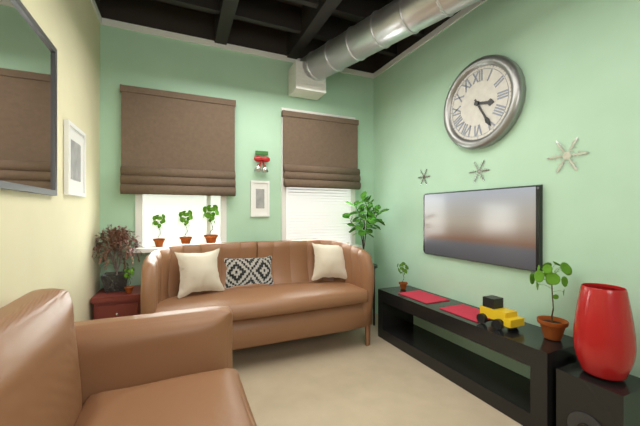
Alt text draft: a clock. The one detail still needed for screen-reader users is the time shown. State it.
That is 3:25
